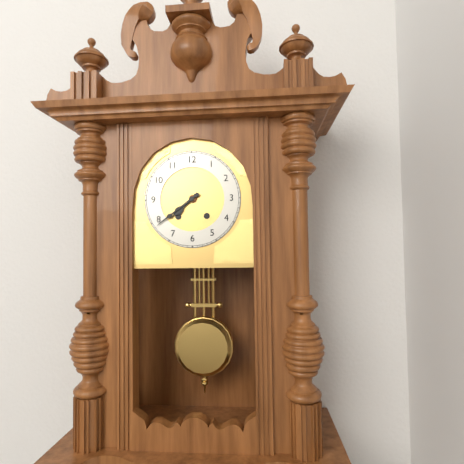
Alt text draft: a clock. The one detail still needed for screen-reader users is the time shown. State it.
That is 7:39
